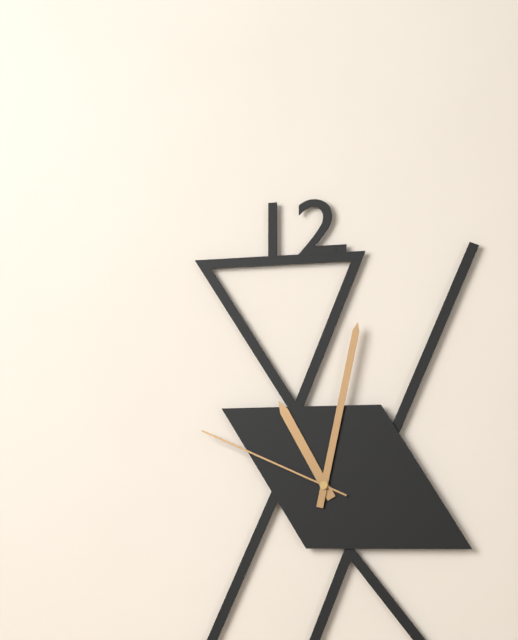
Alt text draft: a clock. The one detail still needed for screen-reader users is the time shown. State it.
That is 11:02:49
